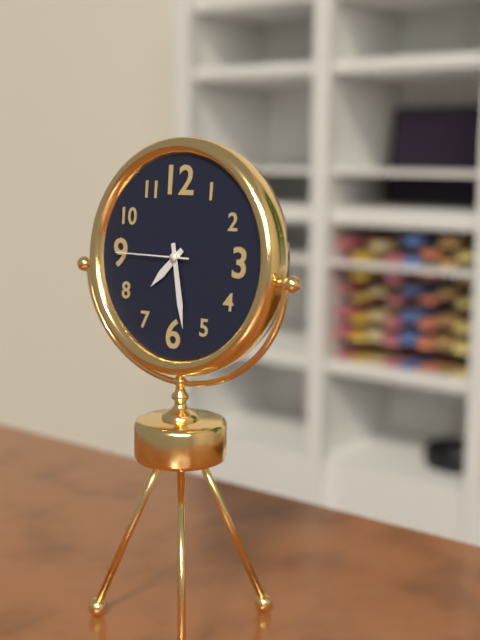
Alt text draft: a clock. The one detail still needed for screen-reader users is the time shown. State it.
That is 7:28:45
